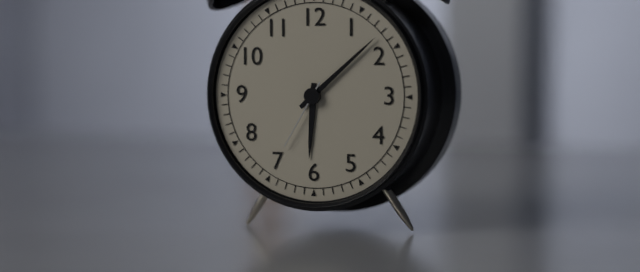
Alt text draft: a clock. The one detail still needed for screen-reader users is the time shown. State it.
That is 6:08:35
